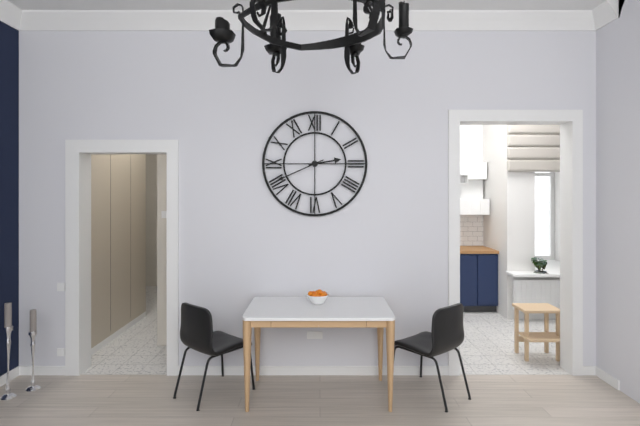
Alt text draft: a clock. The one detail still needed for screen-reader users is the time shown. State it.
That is 2:41
